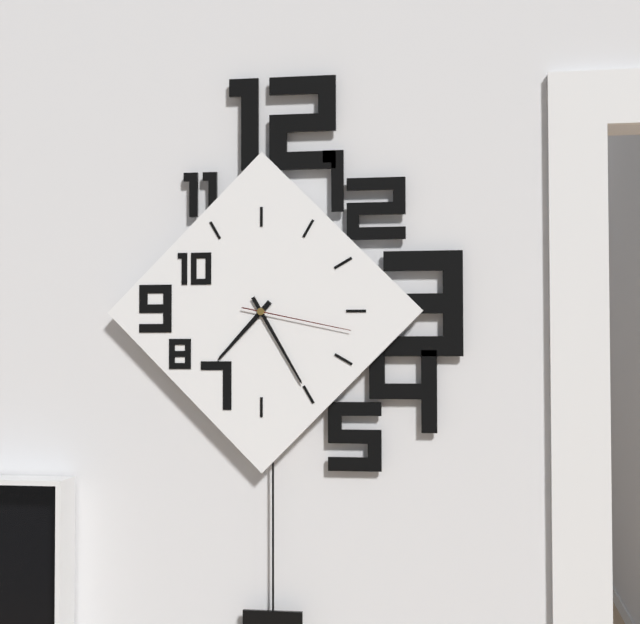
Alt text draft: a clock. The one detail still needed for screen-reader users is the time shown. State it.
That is 7:25:17
